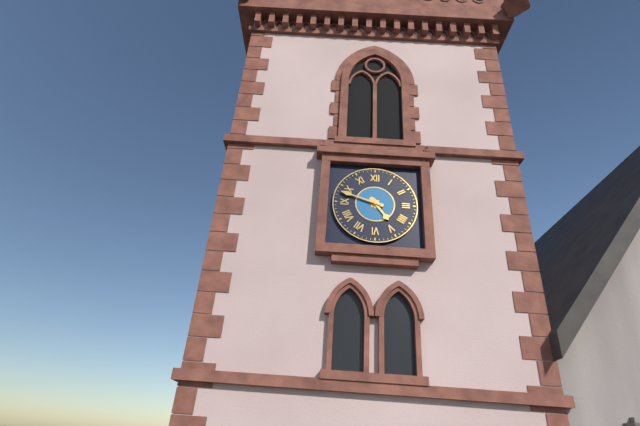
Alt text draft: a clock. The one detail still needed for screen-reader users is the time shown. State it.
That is 4:48
